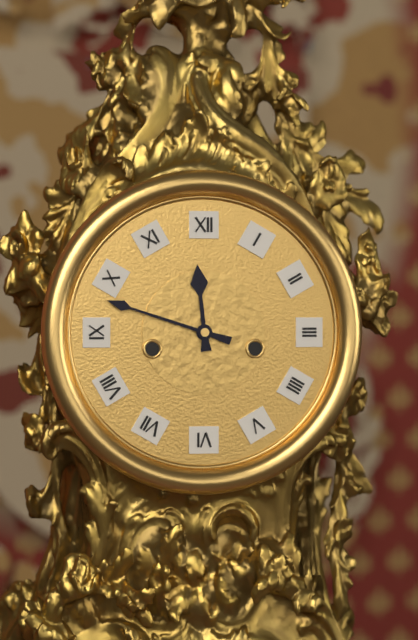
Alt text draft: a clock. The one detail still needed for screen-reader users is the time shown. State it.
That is 11:48
